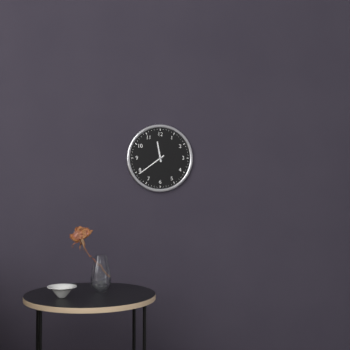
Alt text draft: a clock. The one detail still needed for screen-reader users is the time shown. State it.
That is 11:39
